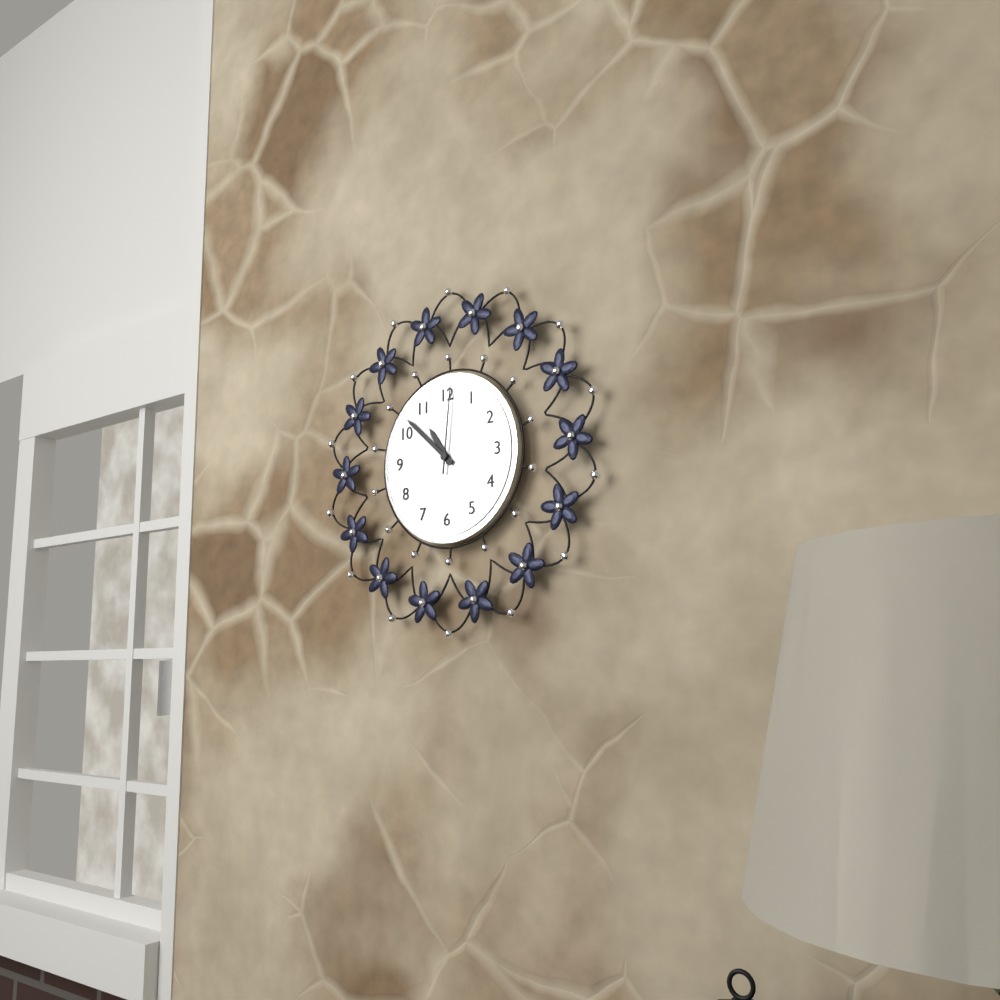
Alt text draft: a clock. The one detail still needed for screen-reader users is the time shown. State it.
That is 10:52:01
